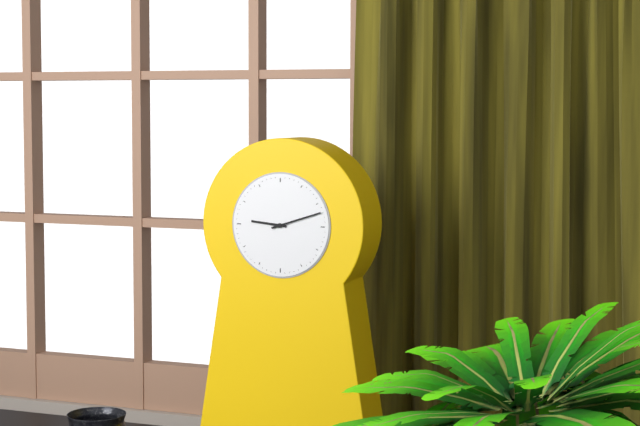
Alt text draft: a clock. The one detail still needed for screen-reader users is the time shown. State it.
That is 9:12
